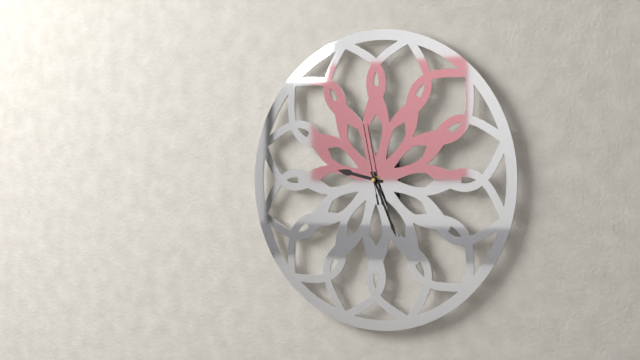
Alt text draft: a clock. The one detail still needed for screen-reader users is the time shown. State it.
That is 9:26:58
